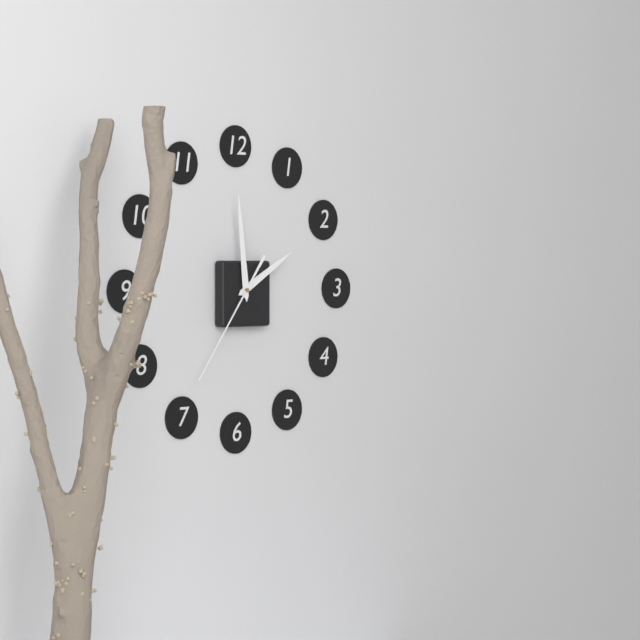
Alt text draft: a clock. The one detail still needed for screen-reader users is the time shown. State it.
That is 1:59:36
